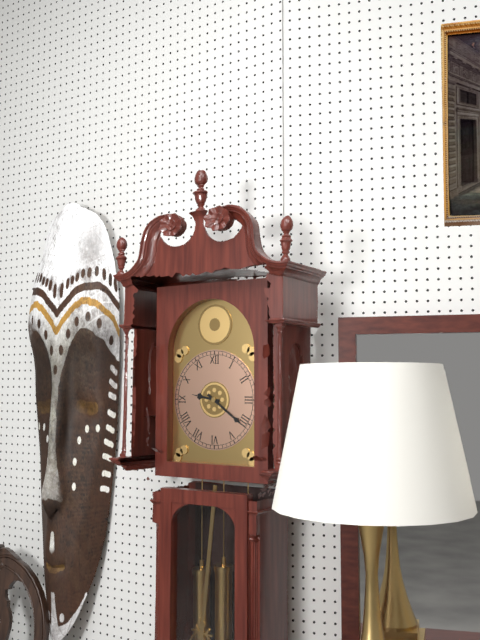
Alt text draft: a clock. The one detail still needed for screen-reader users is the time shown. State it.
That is 9:21
